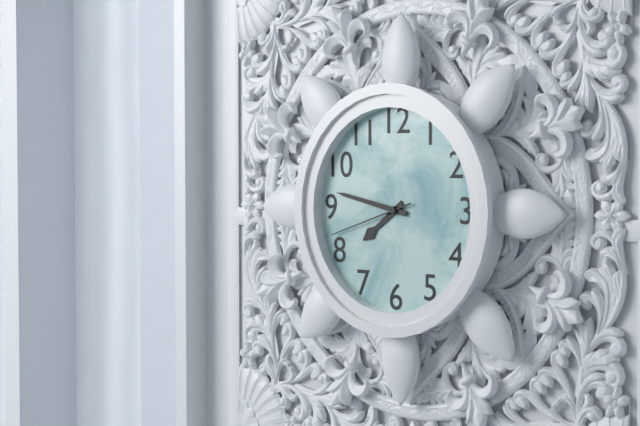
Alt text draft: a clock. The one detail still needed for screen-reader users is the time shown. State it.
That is 7:47:42
